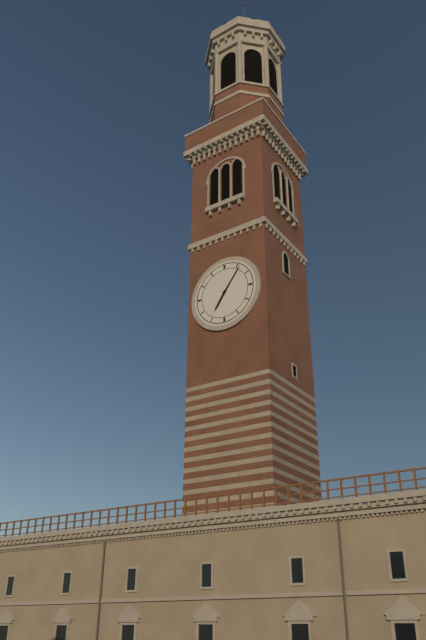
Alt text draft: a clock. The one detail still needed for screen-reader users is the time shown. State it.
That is 7:06
